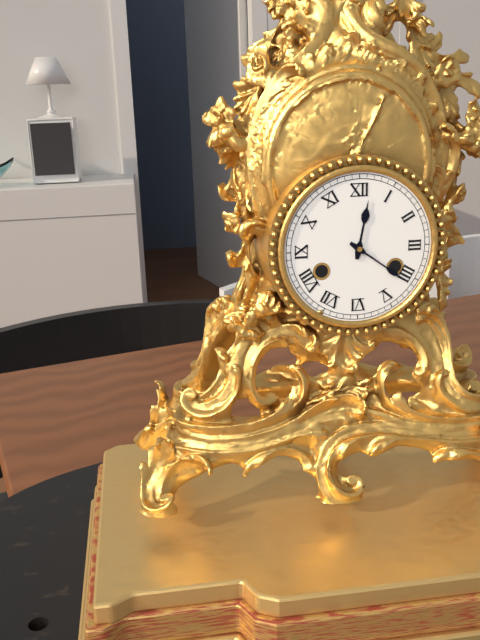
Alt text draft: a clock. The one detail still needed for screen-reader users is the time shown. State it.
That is 12:21
